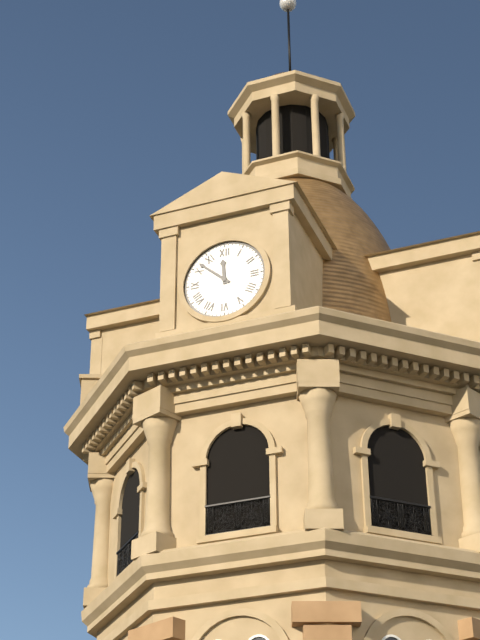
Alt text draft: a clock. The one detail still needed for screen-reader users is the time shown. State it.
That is 11:52
